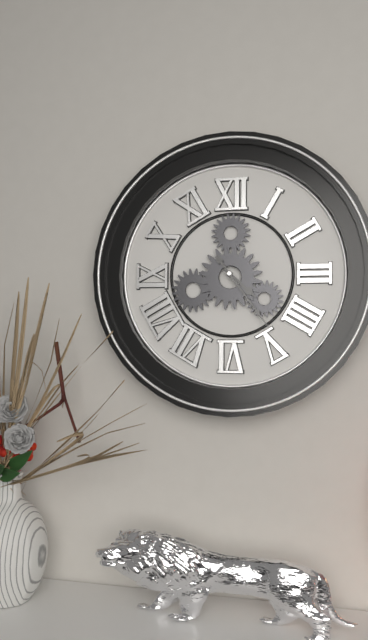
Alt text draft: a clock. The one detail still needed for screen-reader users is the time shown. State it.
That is 4:24
